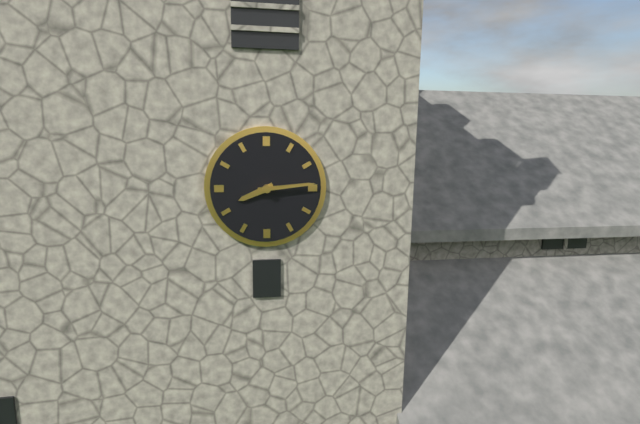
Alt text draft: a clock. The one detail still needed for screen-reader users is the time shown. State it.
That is 8:14
